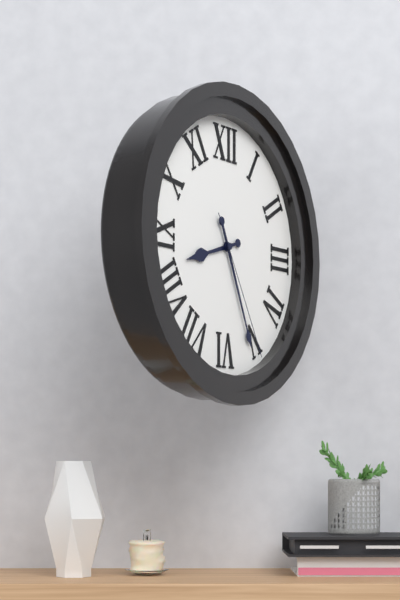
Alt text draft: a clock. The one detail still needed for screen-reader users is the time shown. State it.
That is 8:26:25
